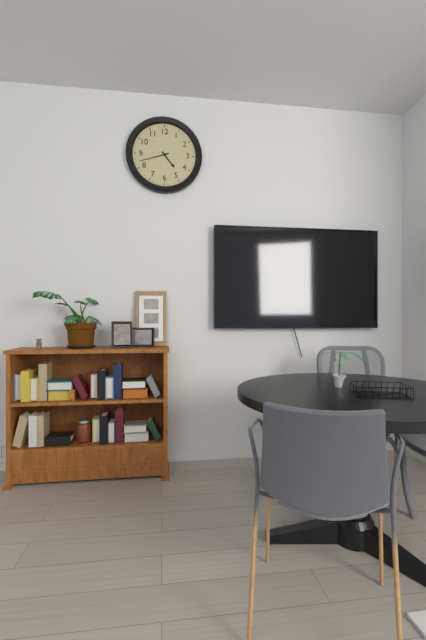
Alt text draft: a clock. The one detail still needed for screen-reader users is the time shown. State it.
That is 4:42
